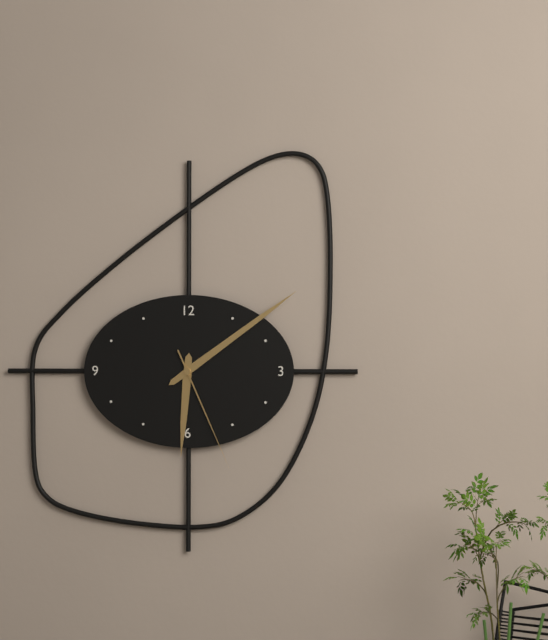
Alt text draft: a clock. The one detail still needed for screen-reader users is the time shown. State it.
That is 6:09:26
